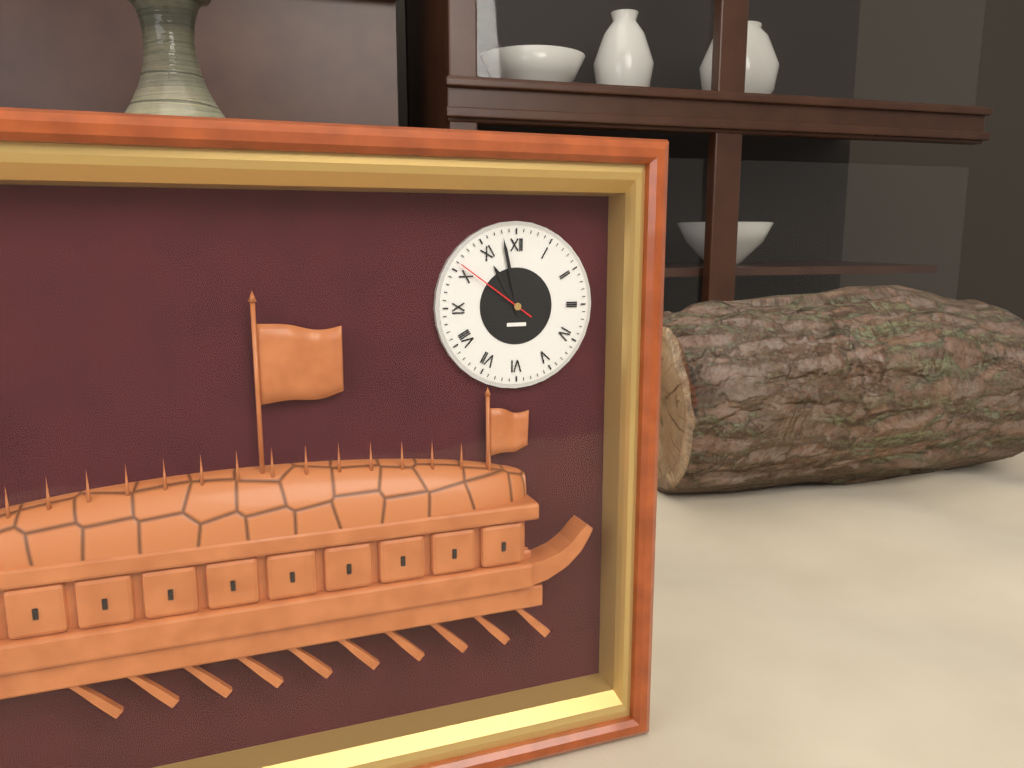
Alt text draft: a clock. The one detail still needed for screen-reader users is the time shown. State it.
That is 10:58:51
